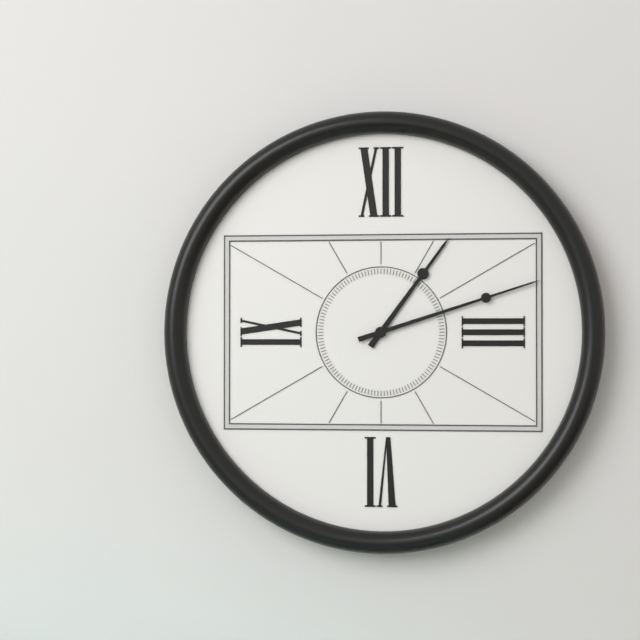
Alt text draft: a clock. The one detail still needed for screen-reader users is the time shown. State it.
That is 1:12
